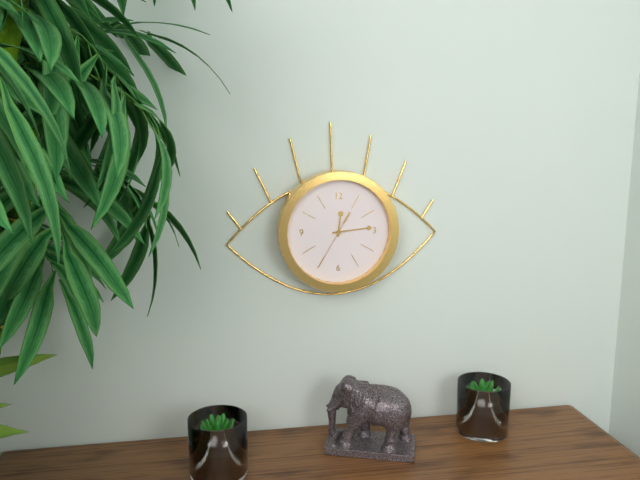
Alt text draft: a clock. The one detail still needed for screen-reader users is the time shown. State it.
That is 12:14:35
